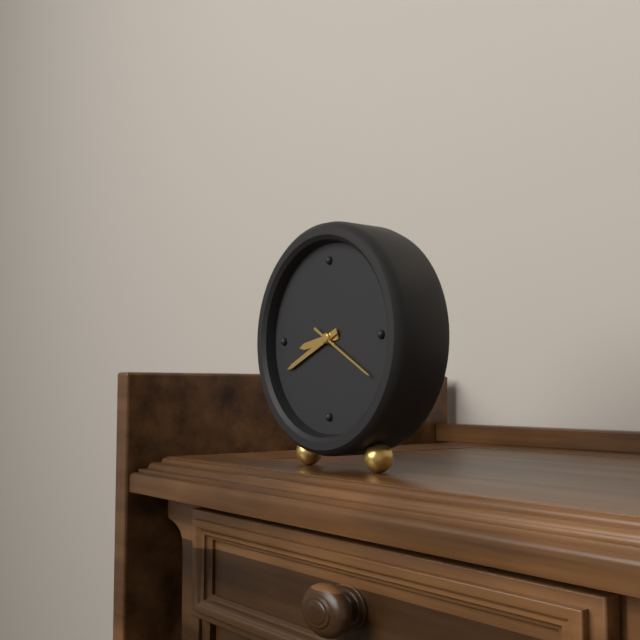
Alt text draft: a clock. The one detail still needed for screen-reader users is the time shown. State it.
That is 8:41:20
